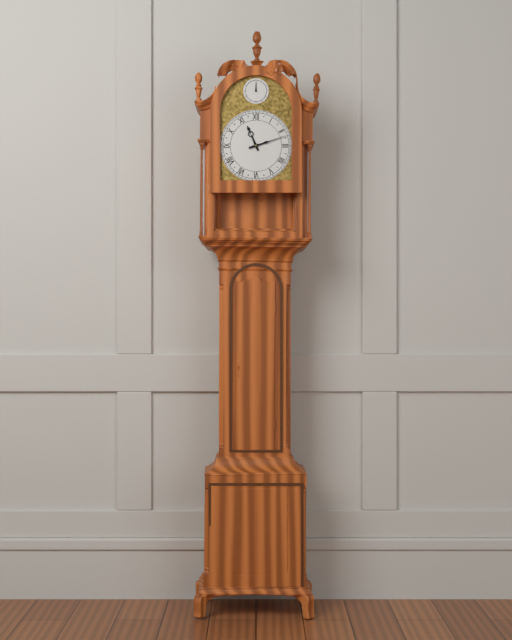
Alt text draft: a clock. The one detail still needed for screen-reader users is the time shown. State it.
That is 11:12
